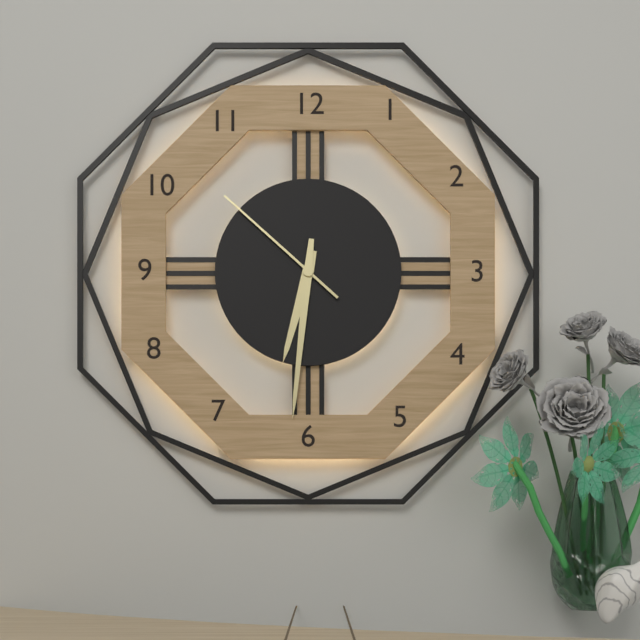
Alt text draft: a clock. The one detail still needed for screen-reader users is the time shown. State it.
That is 6:31:52
